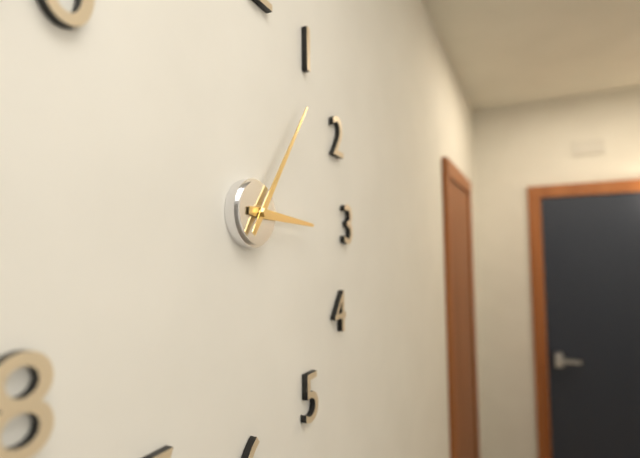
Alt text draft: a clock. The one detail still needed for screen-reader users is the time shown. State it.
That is 3:06
